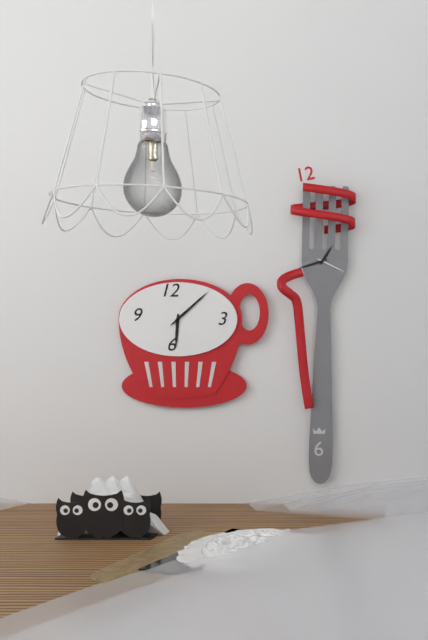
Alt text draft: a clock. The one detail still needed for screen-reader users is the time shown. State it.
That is 6:08
